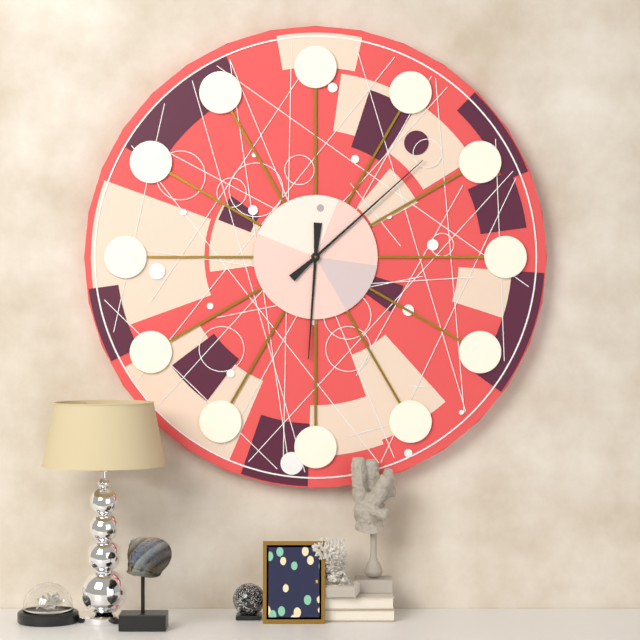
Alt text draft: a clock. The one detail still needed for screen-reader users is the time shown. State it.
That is 6:08
